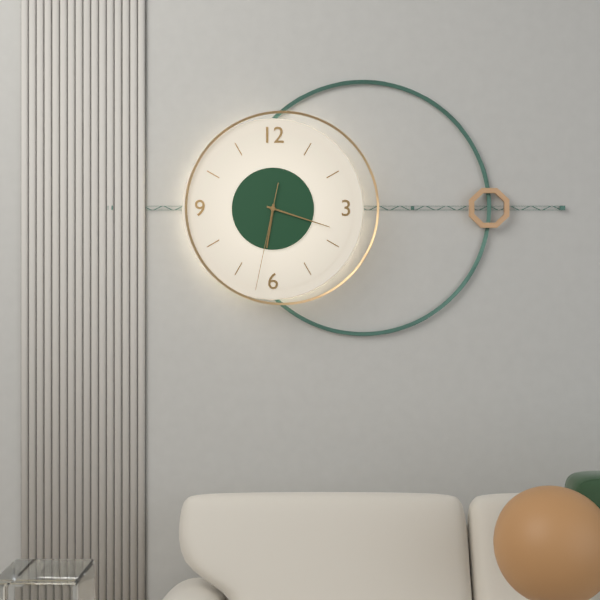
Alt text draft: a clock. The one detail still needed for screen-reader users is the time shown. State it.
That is 6:18:32
